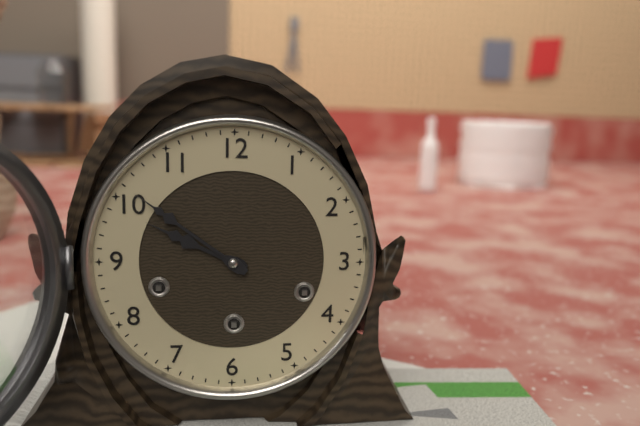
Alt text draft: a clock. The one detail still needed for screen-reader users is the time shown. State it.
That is 9:51
